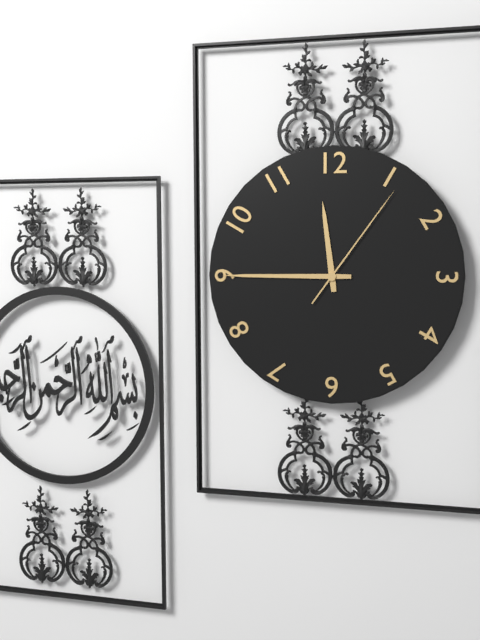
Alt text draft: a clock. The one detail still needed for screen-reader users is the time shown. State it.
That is 11:45:06
